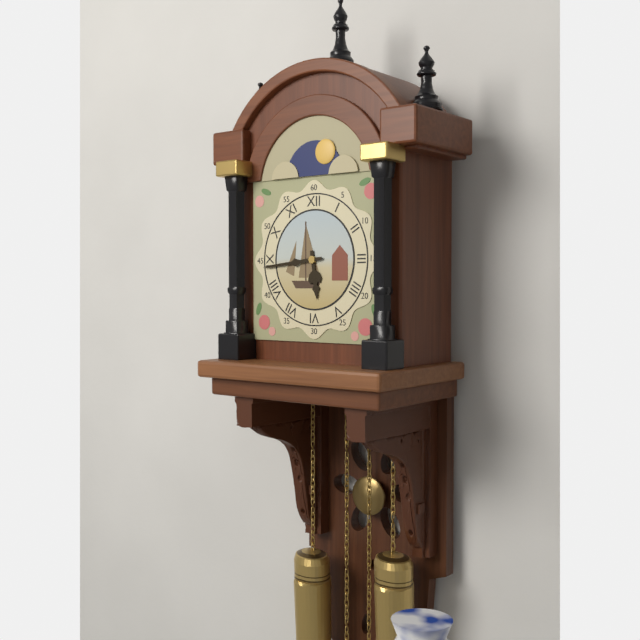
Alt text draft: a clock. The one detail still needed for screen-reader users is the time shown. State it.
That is 5:44
